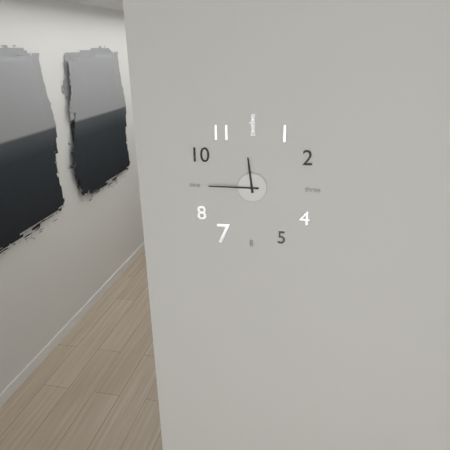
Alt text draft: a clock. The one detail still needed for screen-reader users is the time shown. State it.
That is 11:45
